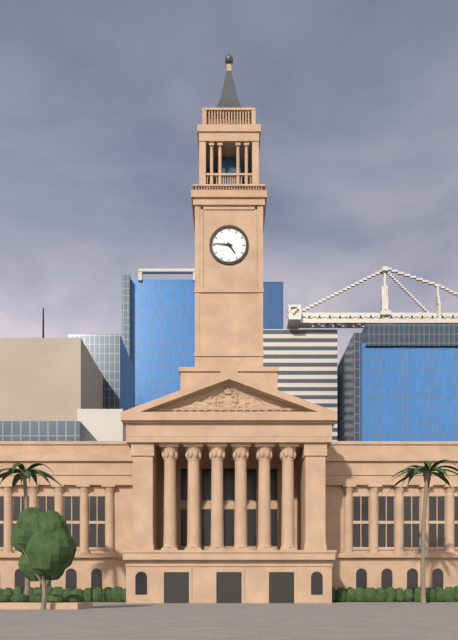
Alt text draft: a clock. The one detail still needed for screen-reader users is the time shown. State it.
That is 4:46
